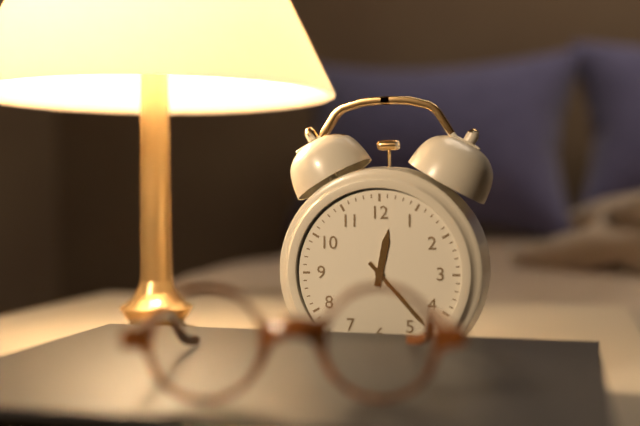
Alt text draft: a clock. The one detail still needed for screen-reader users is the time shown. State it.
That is 12:23
